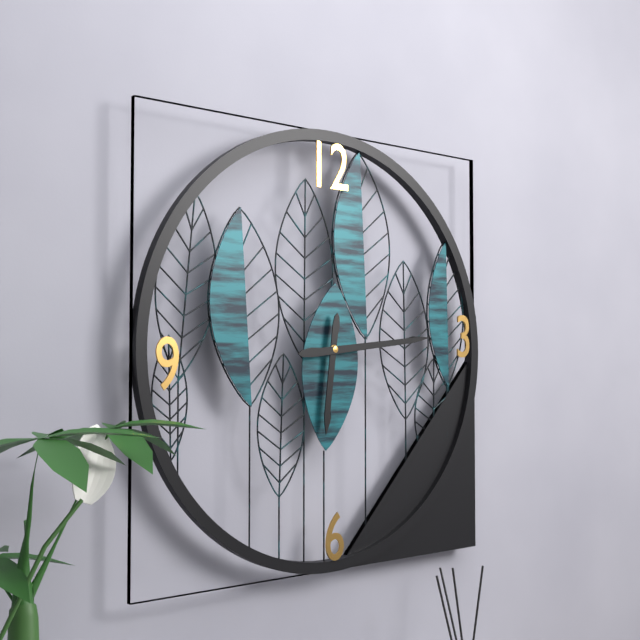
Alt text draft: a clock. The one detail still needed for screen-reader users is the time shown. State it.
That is 6:14
